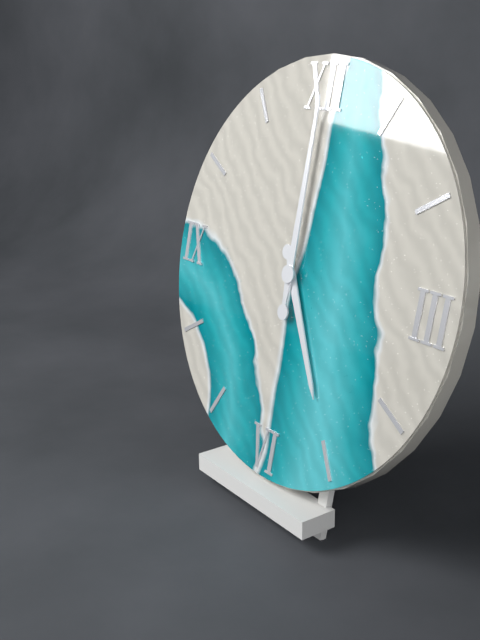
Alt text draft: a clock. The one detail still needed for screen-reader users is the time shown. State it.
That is 5:00
